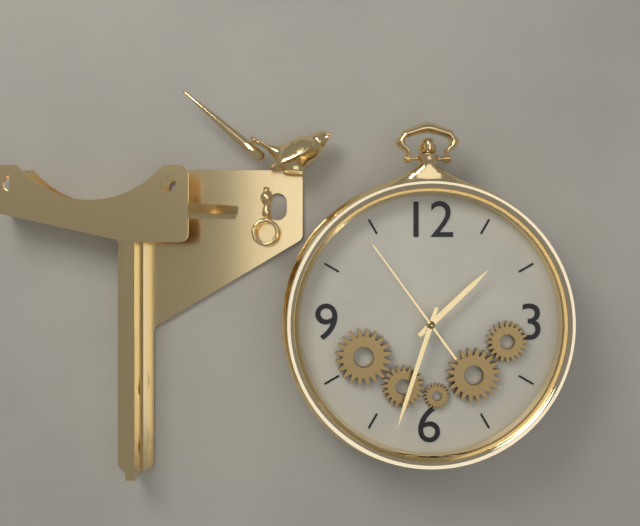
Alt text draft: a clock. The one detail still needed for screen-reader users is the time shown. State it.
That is 1:33:54
